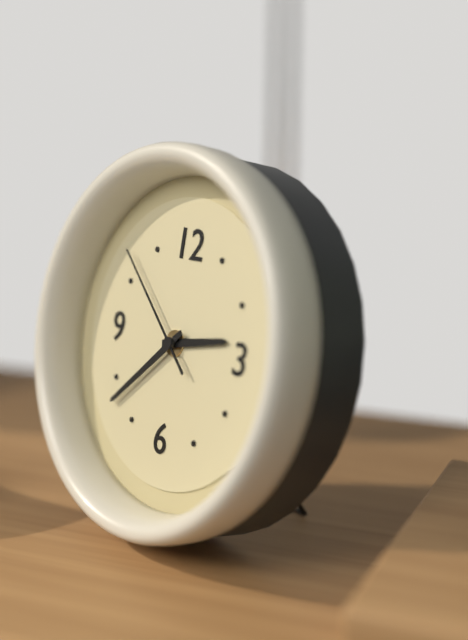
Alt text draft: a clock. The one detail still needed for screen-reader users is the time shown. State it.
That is 2:38:52
